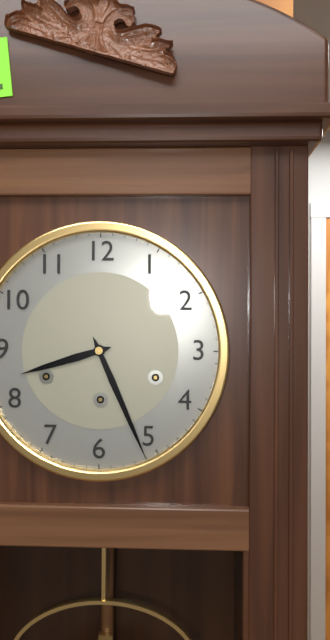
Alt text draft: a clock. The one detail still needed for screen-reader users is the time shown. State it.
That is 8:26
